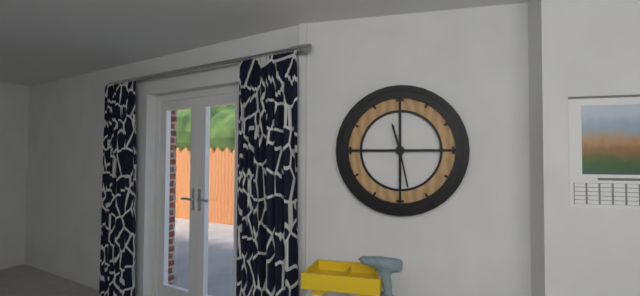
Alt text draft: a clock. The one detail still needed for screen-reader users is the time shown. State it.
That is 11:28
